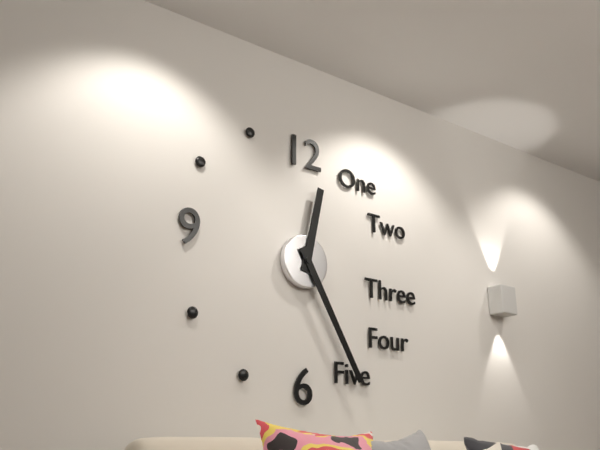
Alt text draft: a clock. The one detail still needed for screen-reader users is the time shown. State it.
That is 12:25
